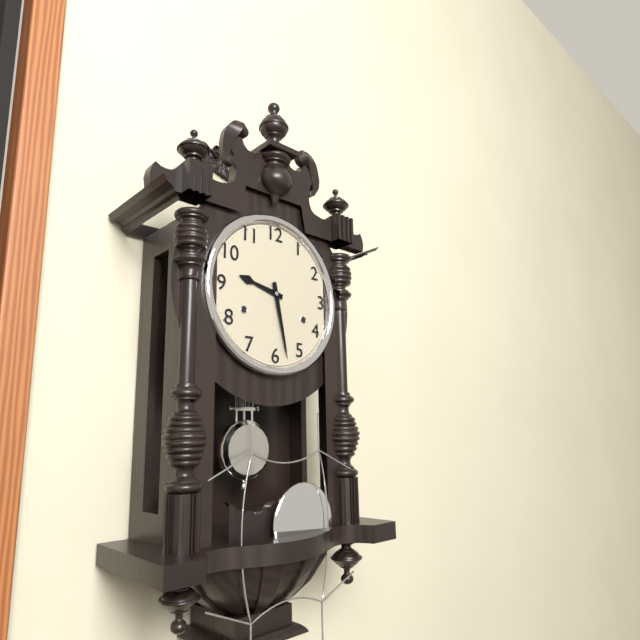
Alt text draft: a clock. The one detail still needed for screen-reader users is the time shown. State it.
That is 9:28
